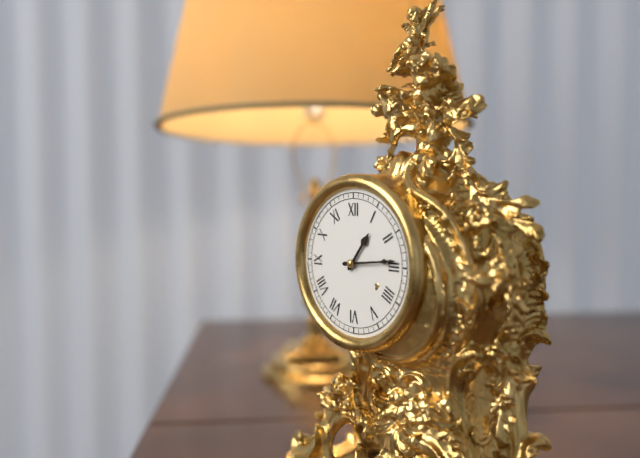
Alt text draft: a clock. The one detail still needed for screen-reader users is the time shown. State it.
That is 1:14
